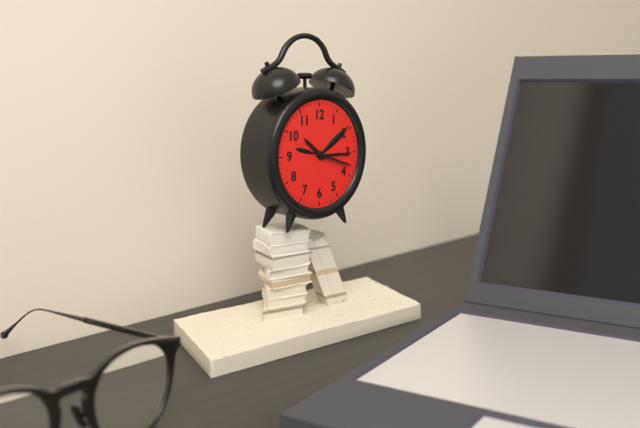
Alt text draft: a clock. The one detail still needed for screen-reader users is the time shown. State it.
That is 10:18
